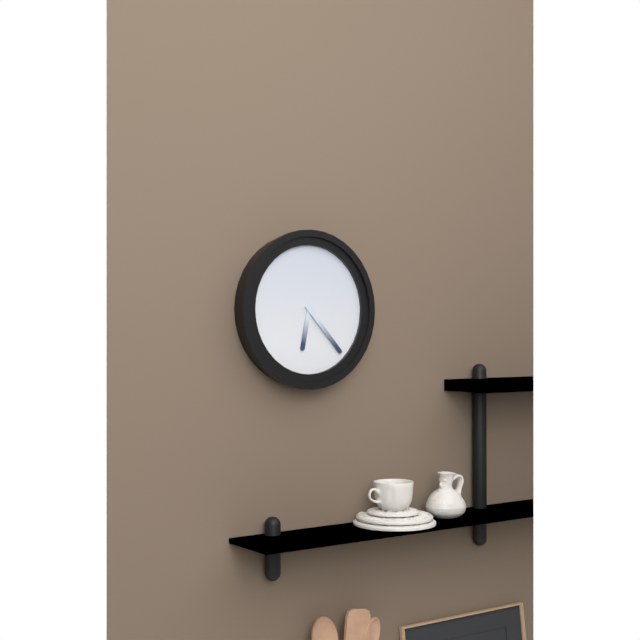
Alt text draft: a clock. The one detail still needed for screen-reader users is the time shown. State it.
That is 6:23
